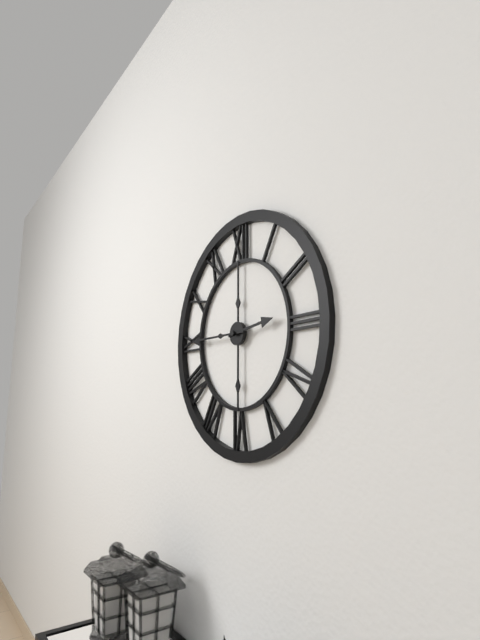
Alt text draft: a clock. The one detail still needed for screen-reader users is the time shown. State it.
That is 2:45
